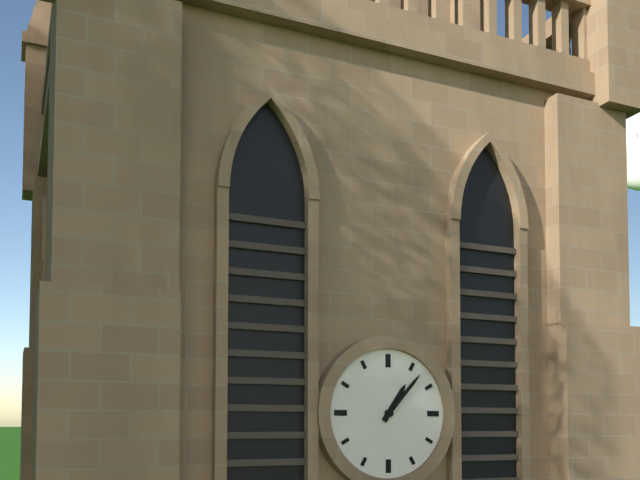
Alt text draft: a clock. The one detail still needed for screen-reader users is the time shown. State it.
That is 1:07
